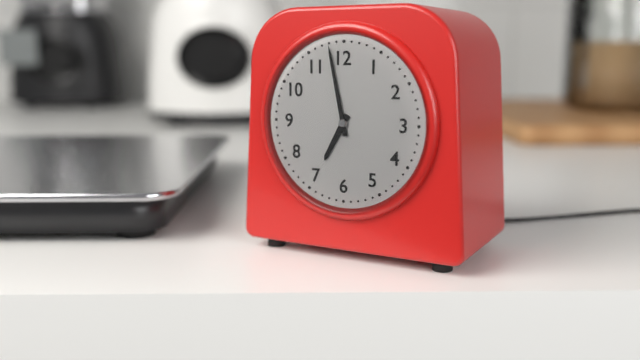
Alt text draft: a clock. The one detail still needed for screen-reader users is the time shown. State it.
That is 6:58
